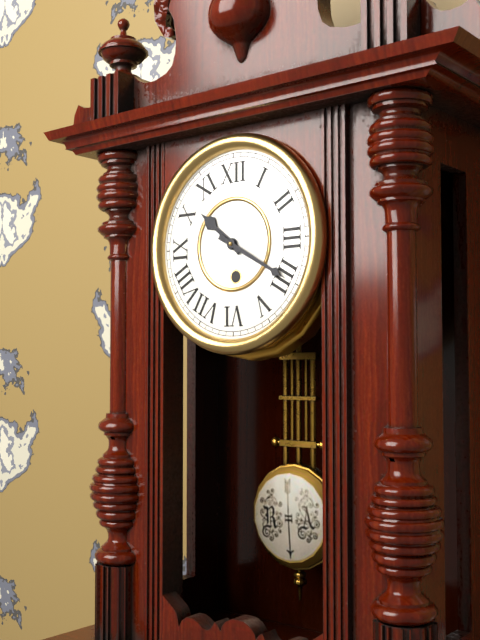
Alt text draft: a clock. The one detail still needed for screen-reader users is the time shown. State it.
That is 10:20
